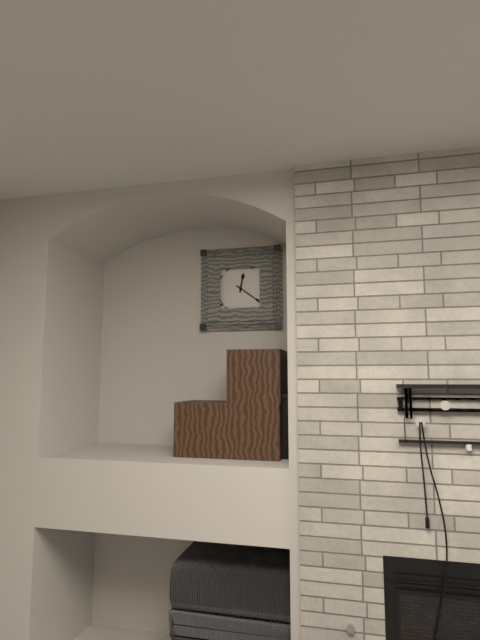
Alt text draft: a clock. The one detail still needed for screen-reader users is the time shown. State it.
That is 12:21
